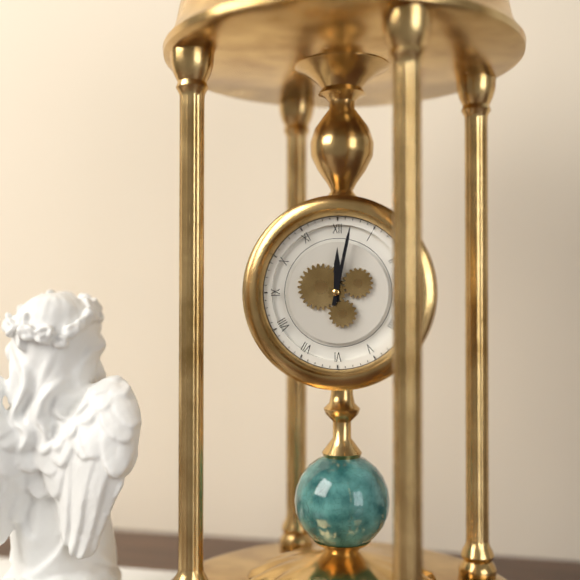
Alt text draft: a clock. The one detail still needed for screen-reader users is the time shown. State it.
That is 12:02
